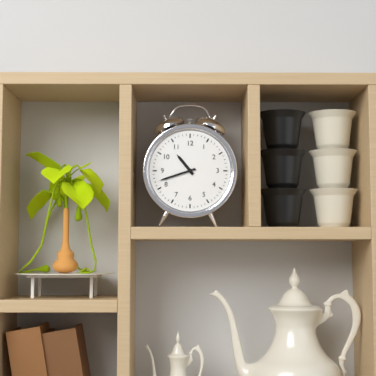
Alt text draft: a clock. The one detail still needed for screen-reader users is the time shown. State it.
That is 10:42
